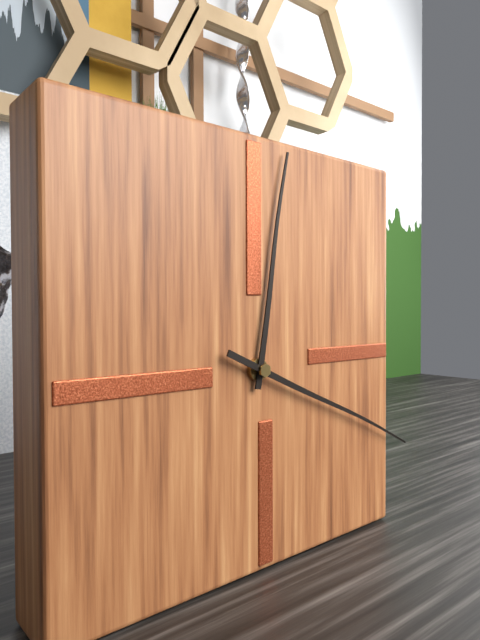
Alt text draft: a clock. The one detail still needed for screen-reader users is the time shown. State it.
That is 12:19
